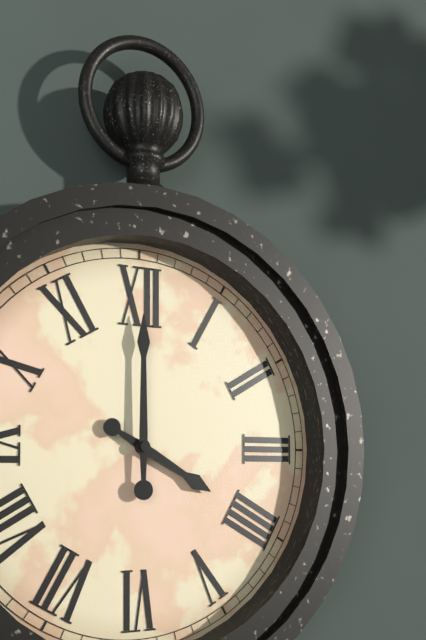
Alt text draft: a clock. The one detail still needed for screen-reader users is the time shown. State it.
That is 4:00
